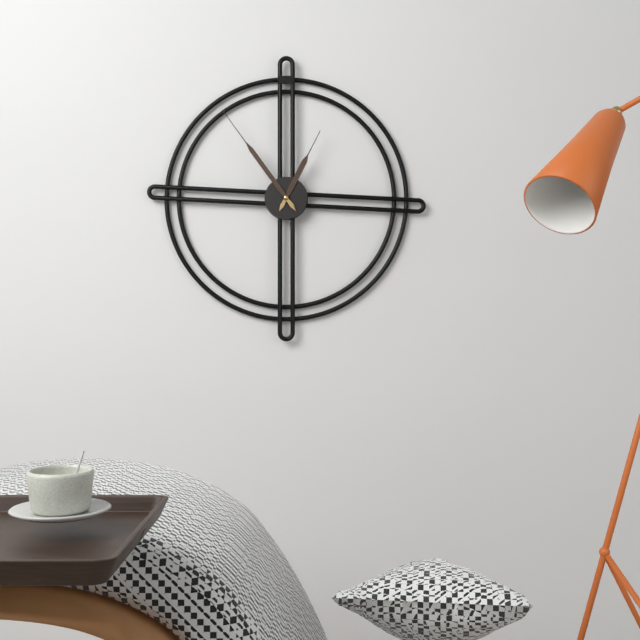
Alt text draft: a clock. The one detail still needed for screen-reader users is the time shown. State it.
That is 12:54
